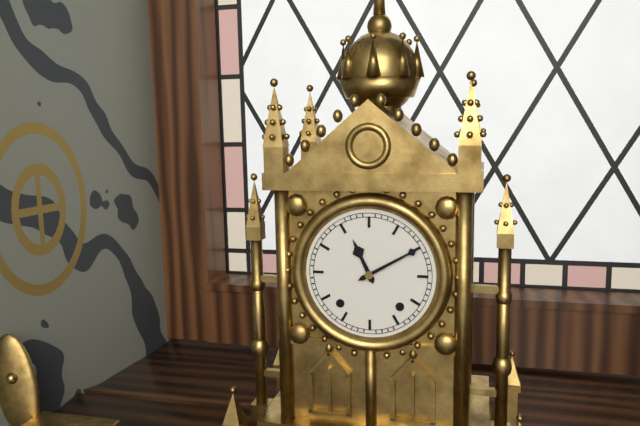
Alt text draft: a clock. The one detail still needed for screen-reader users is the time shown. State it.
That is 11:10
